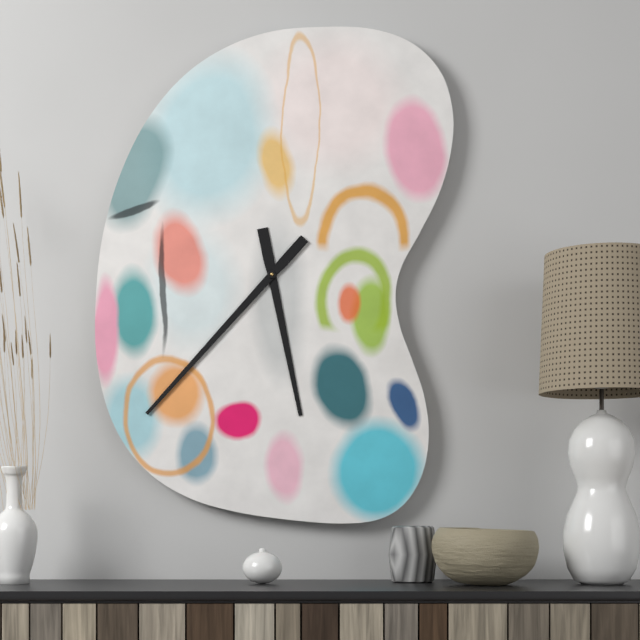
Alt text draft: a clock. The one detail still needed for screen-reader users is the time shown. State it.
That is 5:37
